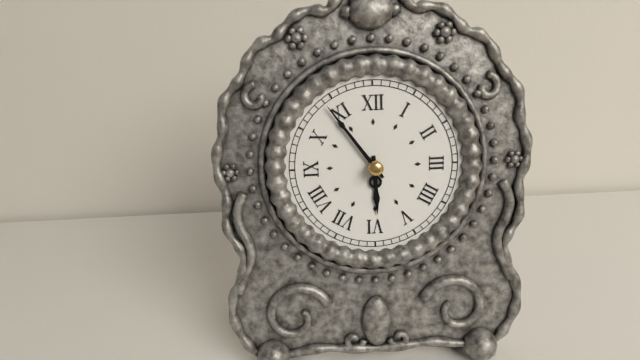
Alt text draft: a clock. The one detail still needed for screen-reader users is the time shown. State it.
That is 5:54
